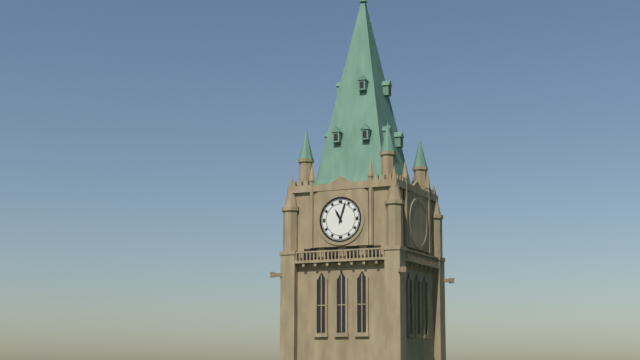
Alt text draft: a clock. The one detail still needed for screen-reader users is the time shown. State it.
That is 11:03
